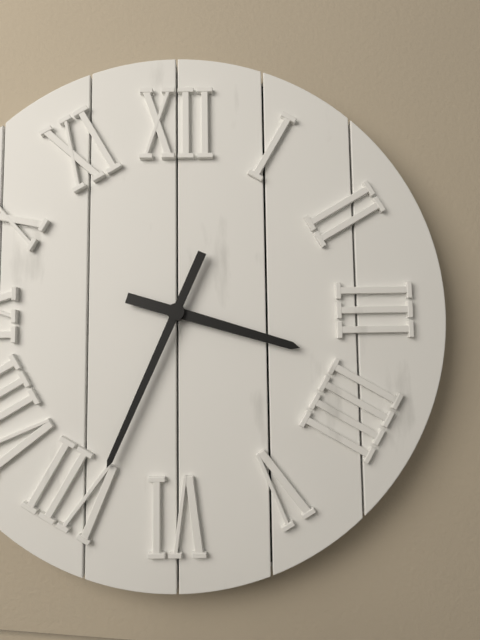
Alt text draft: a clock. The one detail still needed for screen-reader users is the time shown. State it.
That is 3:34
